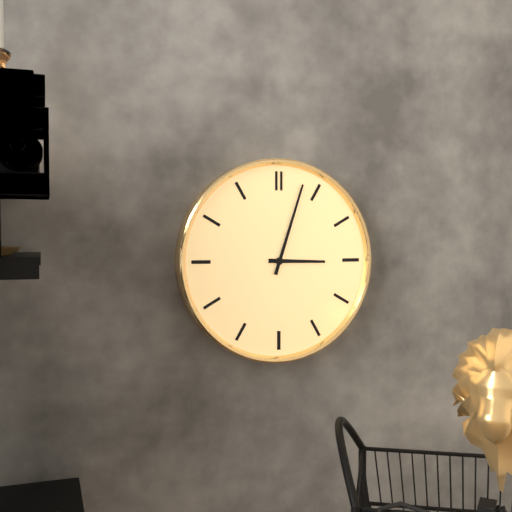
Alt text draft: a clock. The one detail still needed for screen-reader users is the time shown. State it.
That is 3:03
